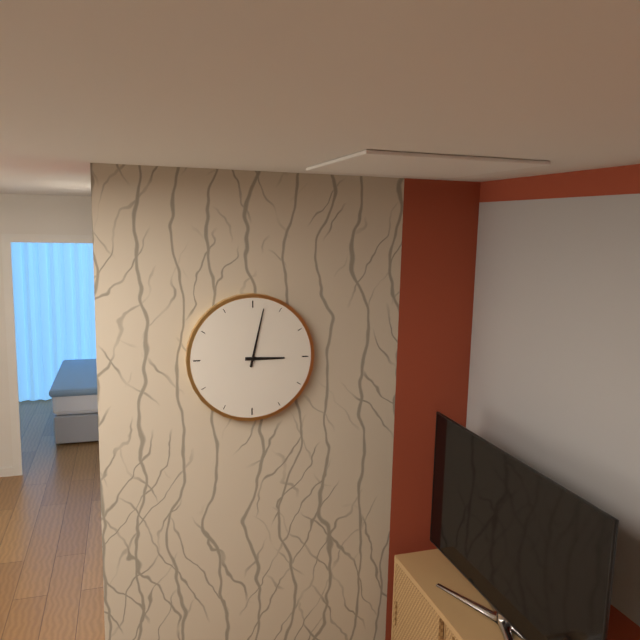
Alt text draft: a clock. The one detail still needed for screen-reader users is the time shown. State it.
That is 3:02
